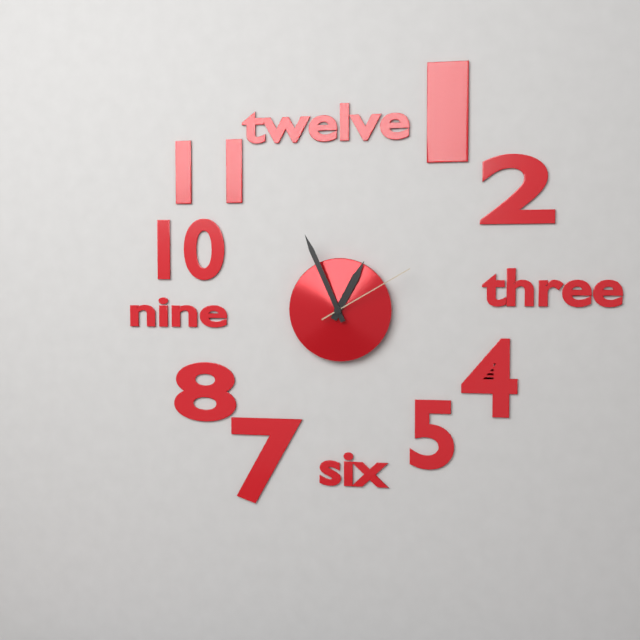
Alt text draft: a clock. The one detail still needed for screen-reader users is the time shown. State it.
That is 12:56:10
